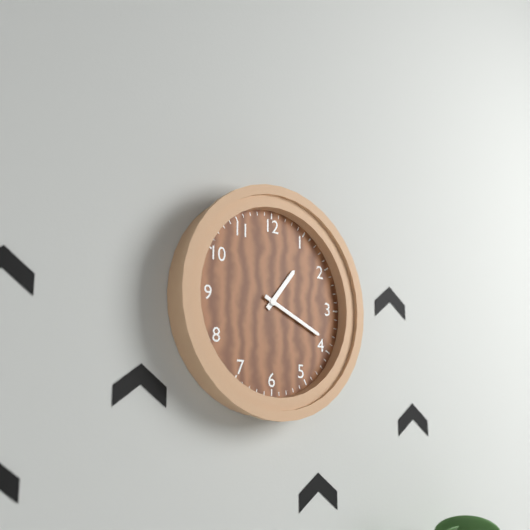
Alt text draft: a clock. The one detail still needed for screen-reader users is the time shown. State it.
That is 1:19
